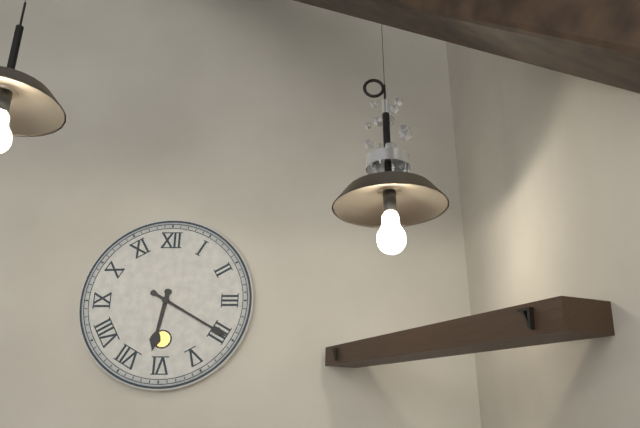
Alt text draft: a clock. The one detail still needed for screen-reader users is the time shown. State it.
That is 6:20
